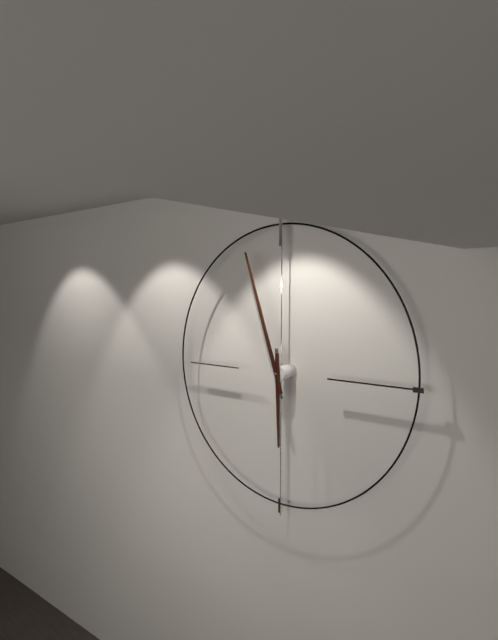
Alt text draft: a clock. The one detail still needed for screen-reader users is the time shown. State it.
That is 5:57
